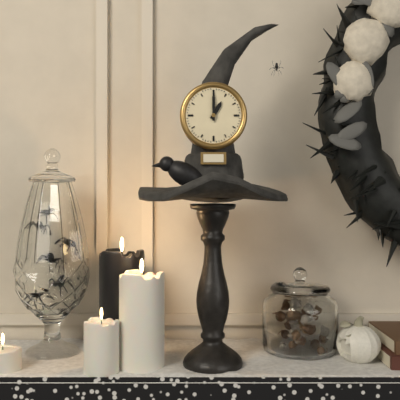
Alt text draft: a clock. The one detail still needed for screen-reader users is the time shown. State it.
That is 1:00
